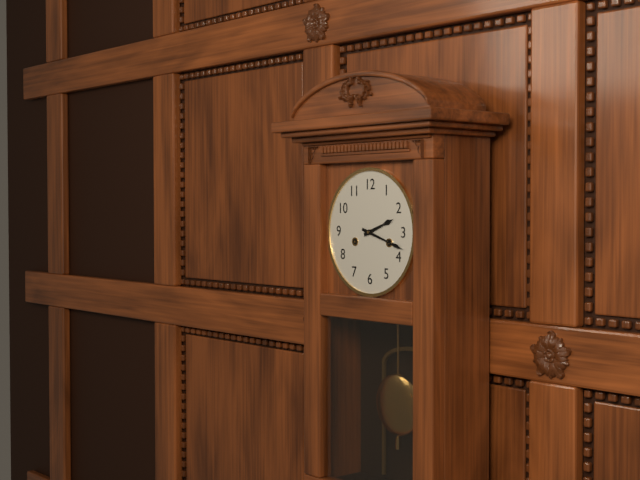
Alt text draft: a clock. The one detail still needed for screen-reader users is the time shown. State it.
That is 2:18
